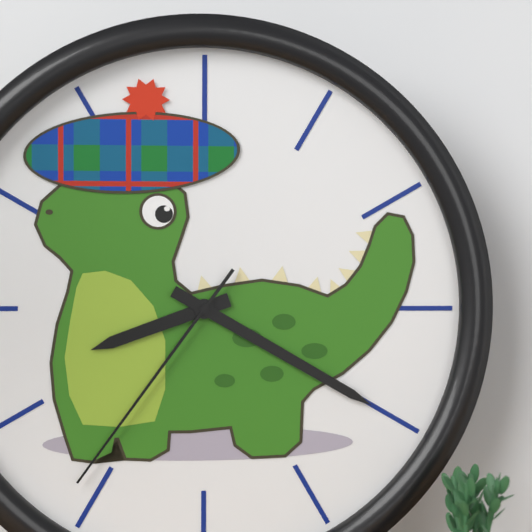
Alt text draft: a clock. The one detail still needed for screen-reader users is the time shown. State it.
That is 8:20:36
